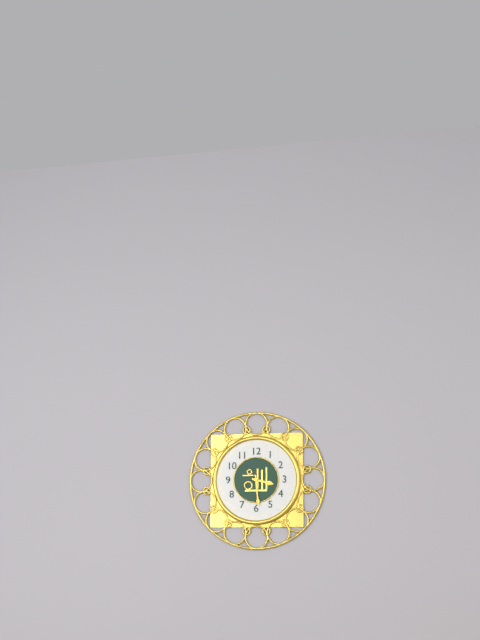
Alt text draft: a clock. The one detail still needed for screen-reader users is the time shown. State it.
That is 3:29
